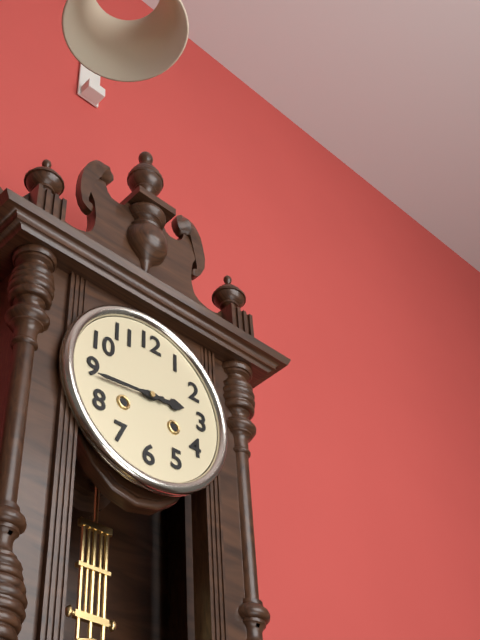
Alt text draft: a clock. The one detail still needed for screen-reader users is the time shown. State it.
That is 2:44
